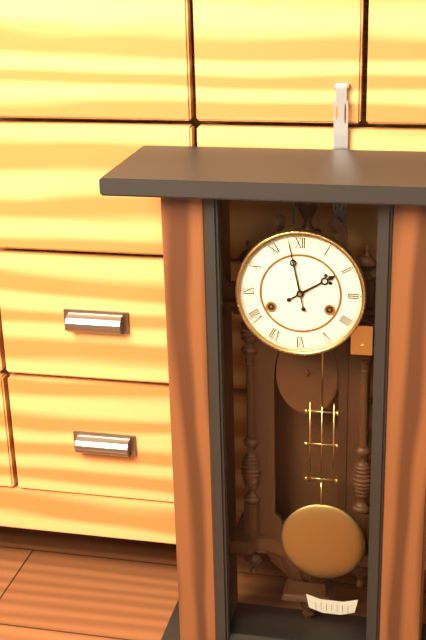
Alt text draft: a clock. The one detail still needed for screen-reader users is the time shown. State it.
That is 1:58
